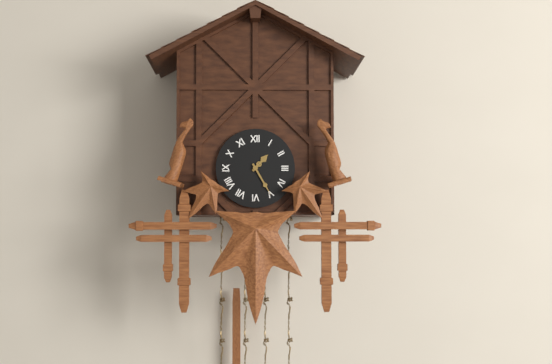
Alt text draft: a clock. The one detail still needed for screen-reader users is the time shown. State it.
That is 1:25
